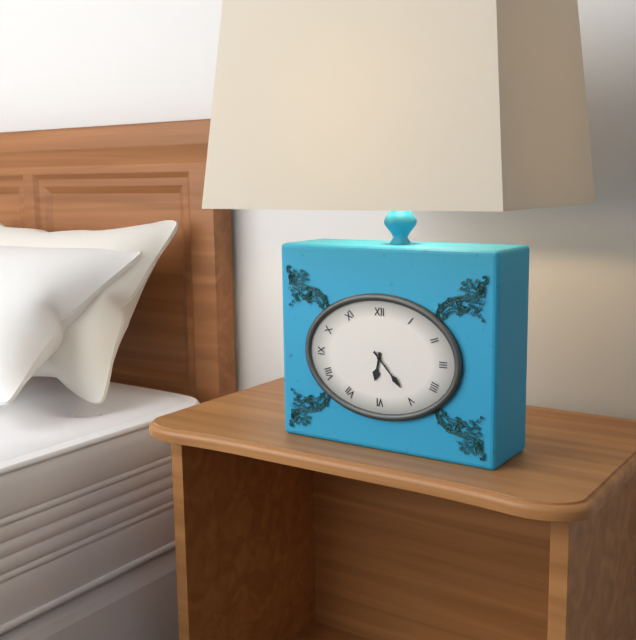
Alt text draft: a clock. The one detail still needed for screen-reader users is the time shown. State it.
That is 6:23
